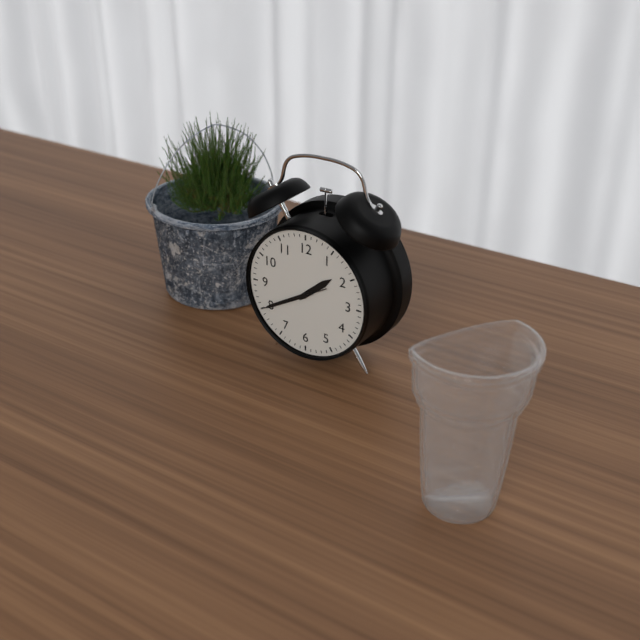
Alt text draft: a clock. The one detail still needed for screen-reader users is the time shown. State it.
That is 1:40:40
